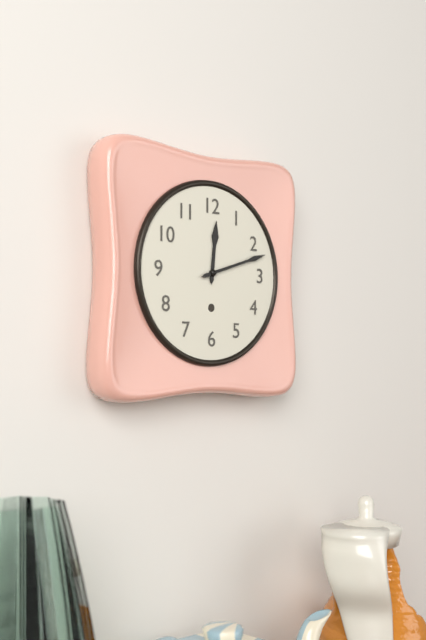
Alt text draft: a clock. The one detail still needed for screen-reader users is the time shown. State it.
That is 12:12
